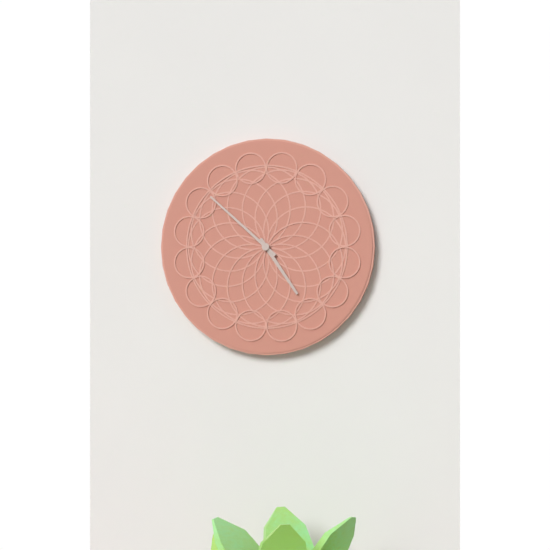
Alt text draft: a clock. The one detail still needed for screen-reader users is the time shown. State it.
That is 4:52
